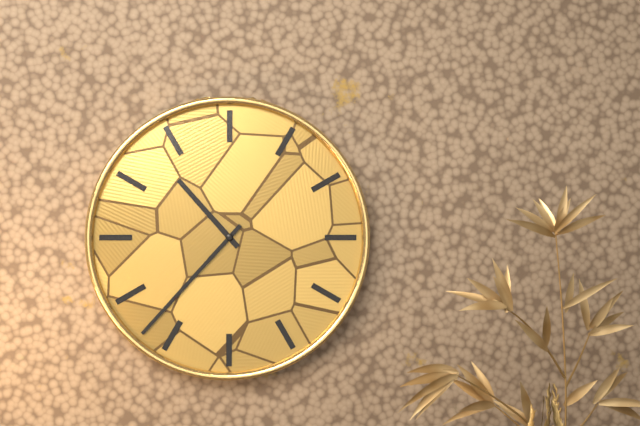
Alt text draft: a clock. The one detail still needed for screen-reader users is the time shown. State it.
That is 10:37
